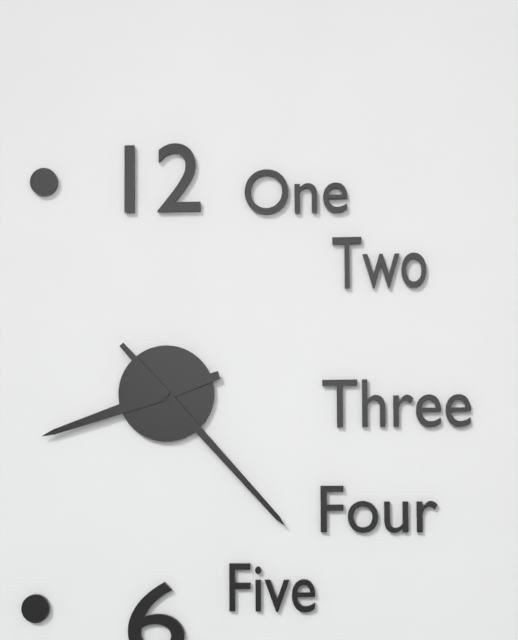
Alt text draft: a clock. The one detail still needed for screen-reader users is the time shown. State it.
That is 8:23
